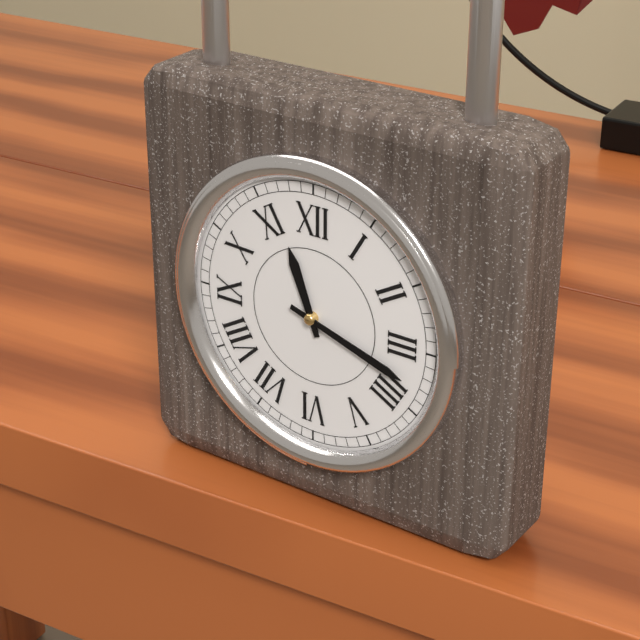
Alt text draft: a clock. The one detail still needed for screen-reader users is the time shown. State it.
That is 11:18
